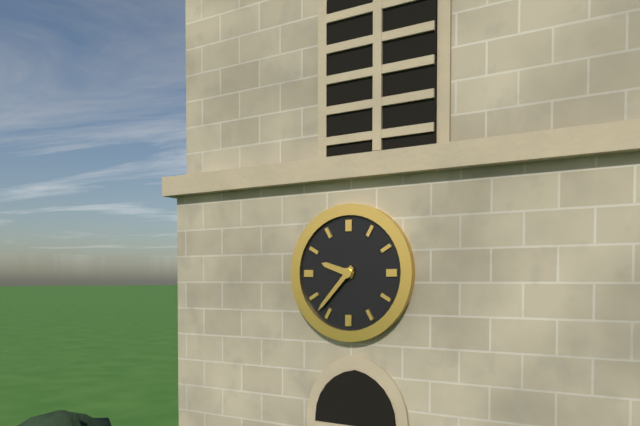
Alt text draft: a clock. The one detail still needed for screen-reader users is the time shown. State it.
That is 9:37
